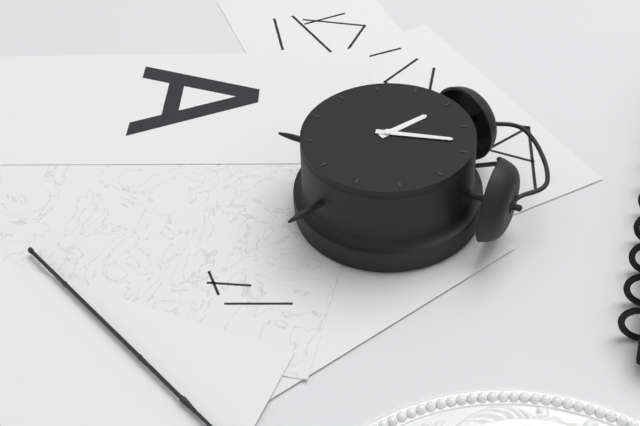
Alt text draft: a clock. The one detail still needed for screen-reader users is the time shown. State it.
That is 11:03
